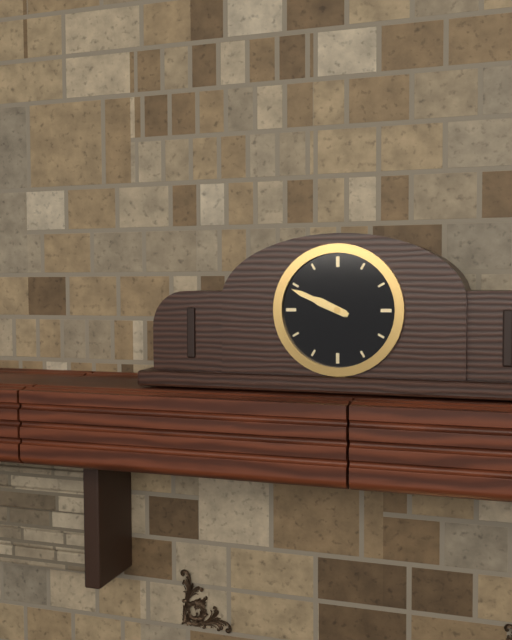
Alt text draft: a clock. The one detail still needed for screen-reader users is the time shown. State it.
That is 9:49
